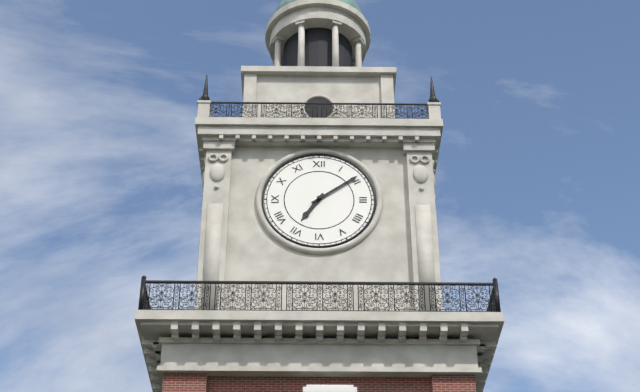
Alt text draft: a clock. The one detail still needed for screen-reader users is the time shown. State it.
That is 7:09
